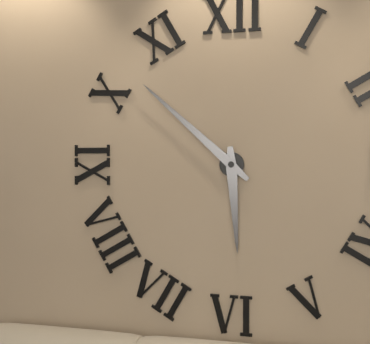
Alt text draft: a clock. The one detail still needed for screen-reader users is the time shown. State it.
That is 5:52
